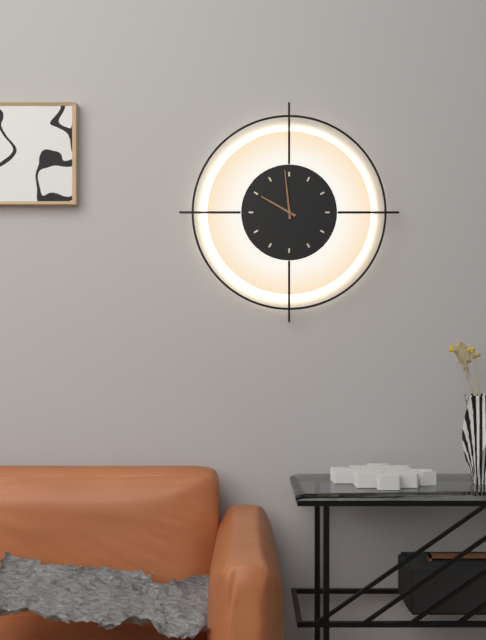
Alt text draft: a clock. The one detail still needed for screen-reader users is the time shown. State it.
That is 9:59
